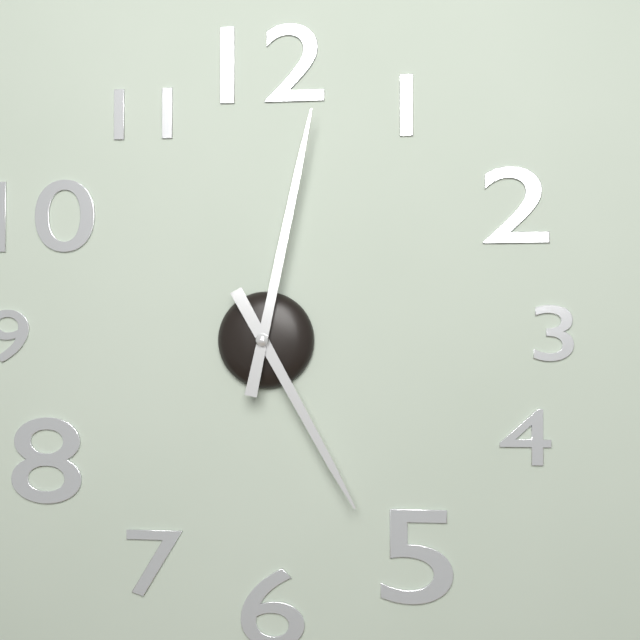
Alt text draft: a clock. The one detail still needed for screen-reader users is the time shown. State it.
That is 5:02
